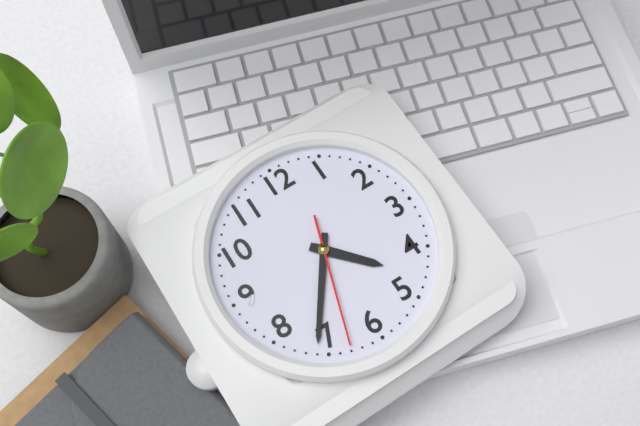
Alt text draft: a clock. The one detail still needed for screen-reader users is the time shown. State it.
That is 4:36:33
